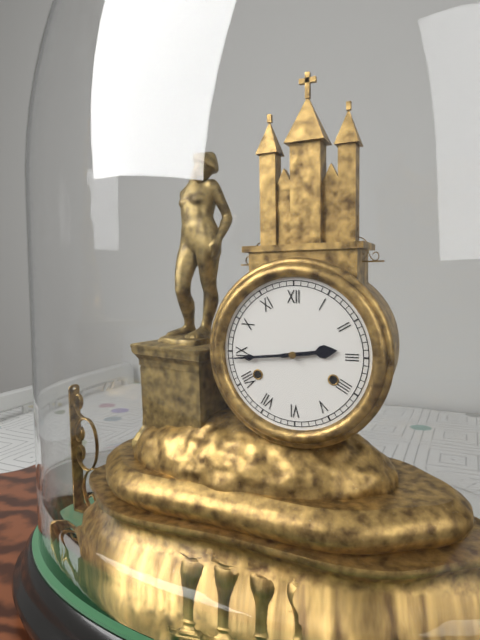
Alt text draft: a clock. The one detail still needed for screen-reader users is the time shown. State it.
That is 2:44
